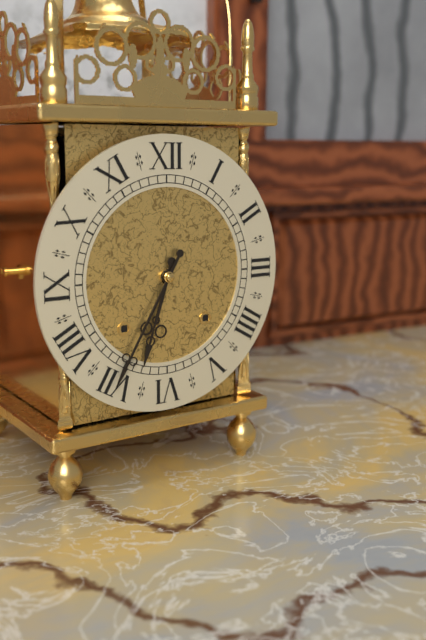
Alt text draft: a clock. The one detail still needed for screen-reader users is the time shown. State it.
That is 6:35
